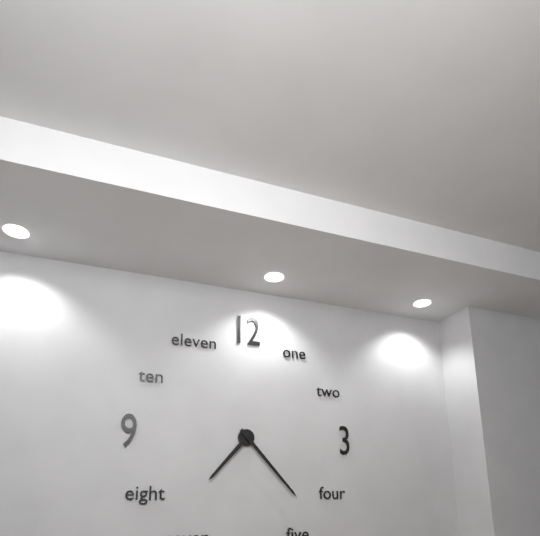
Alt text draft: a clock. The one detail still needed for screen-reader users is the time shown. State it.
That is 7:23
